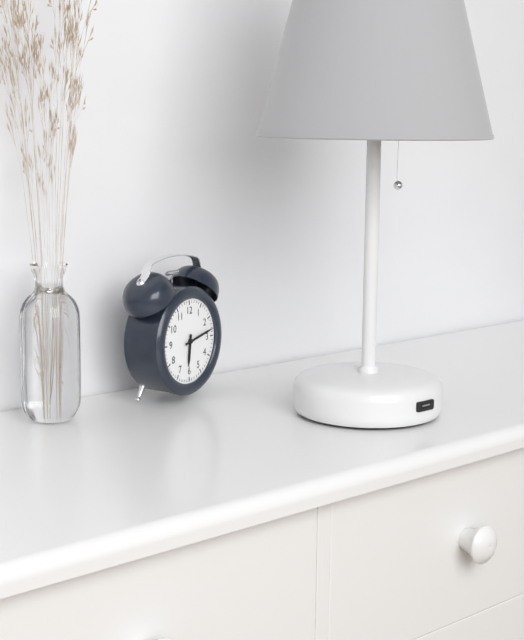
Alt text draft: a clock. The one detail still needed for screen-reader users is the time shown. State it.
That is 6:13
